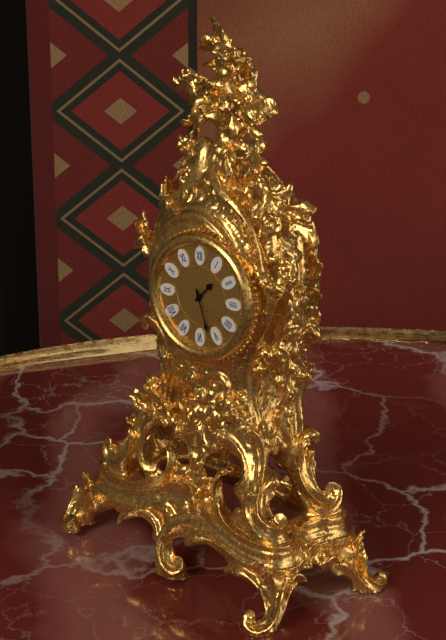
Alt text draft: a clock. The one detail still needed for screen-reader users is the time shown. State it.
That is 1:27
